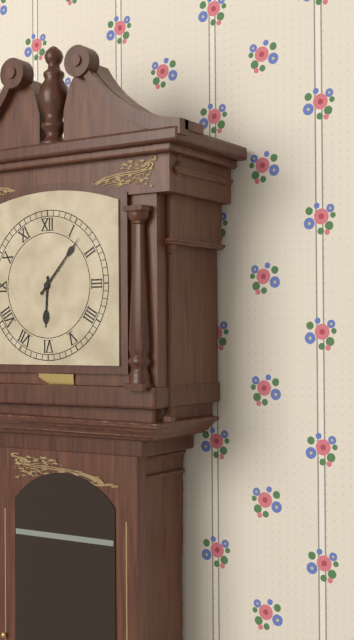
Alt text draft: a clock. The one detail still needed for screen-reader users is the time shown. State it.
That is 6:07
